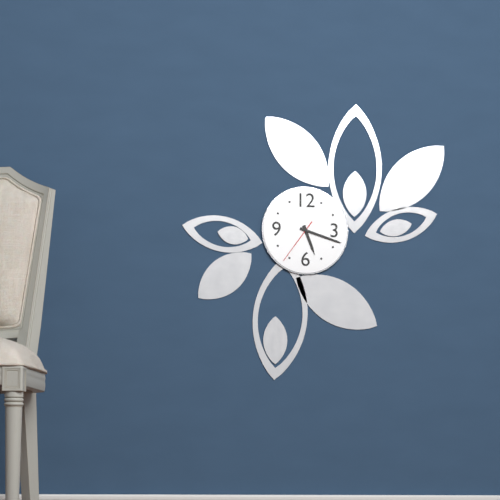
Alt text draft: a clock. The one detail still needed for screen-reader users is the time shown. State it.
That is 5:18
